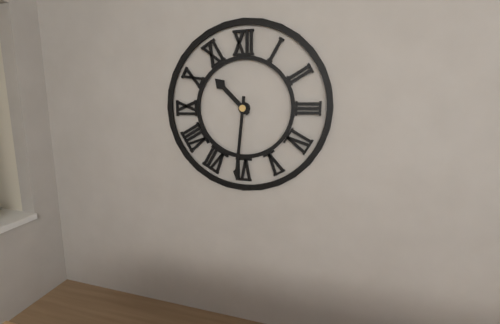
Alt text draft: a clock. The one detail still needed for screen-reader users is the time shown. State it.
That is 10:31
